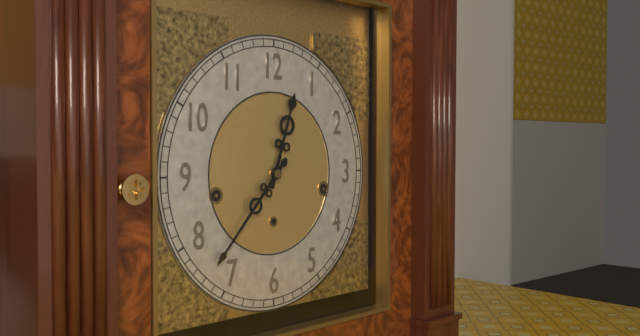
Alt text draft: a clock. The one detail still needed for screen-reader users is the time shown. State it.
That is 12:37
